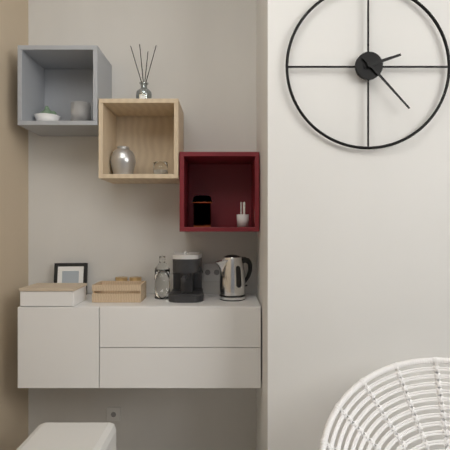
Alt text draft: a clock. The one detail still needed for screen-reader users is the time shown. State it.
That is 2:23
